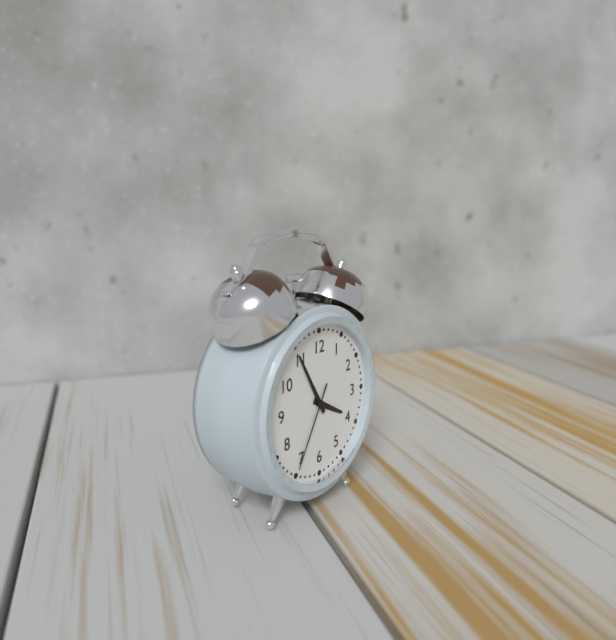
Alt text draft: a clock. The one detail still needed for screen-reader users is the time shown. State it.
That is 3:55:35
